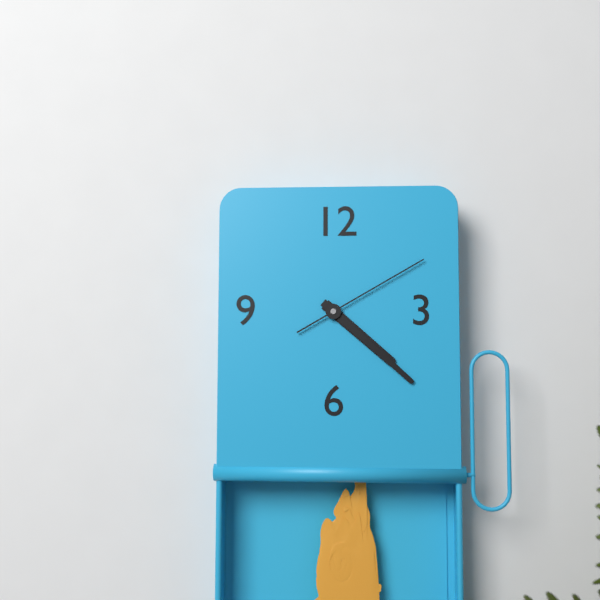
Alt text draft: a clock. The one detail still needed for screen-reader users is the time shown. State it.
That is 4:22:10
